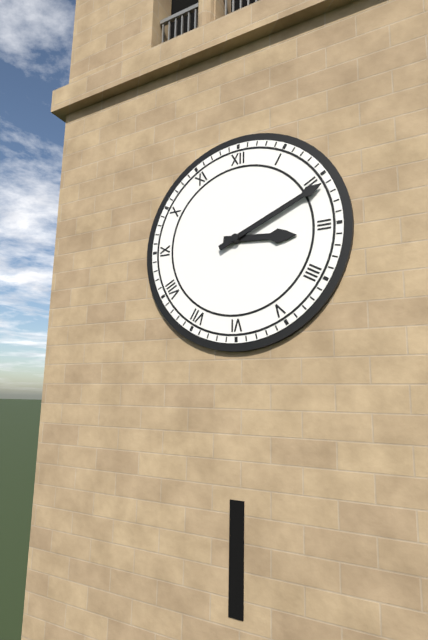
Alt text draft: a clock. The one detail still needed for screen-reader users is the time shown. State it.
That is 3:11
